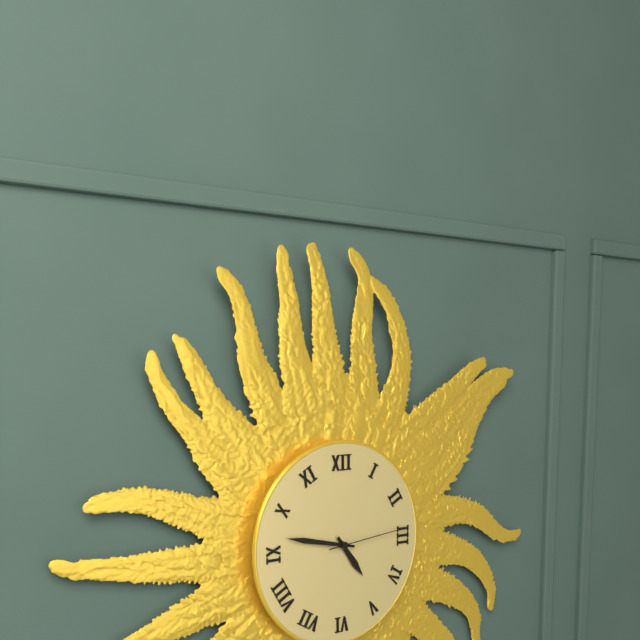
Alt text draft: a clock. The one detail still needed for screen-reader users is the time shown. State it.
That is 4:47:14
